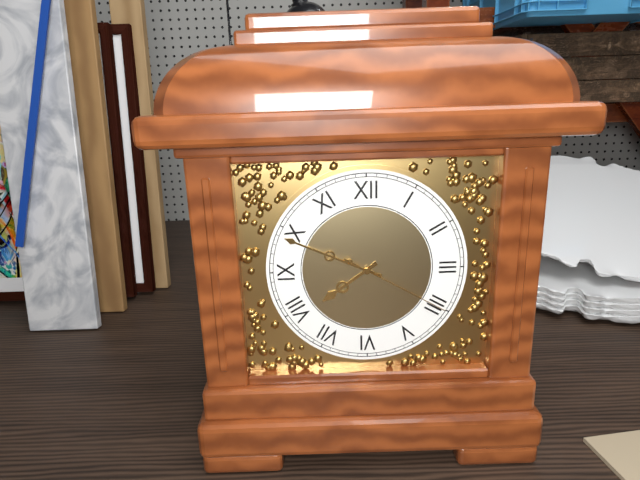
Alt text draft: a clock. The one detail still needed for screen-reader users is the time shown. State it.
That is 7:49:20
